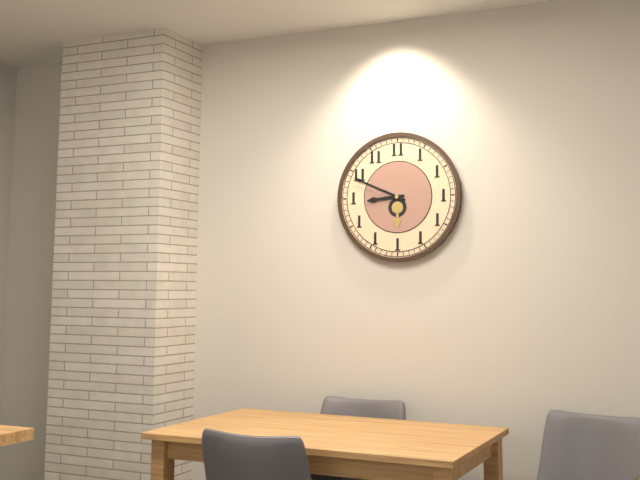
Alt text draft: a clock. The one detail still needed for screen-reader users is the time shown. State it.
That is 8:49
